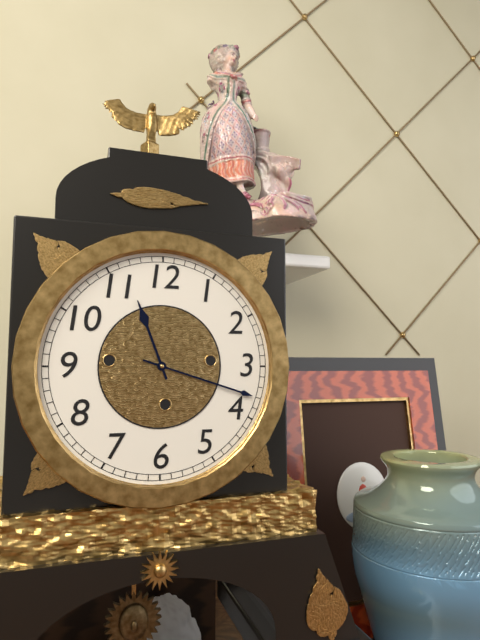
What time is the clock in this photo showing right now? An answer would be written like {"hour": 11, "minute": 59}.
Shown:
{"hour": 11, "minute": 18}
